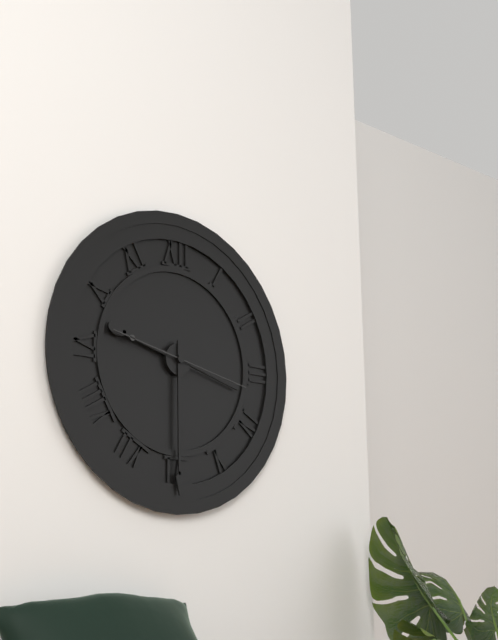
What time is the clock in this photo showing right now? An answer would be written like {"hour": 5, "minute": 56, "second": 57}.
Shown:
{"hour": 9, "minute": 30, "second": 17}
